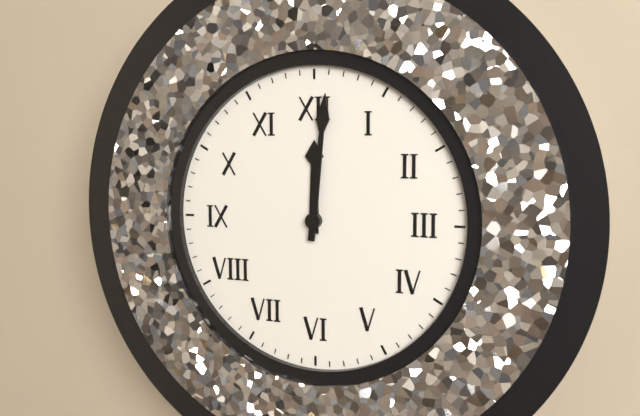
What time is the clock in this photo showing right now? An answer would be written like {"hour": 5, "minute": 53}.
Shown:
{"hour": 12, "minute": 1}
